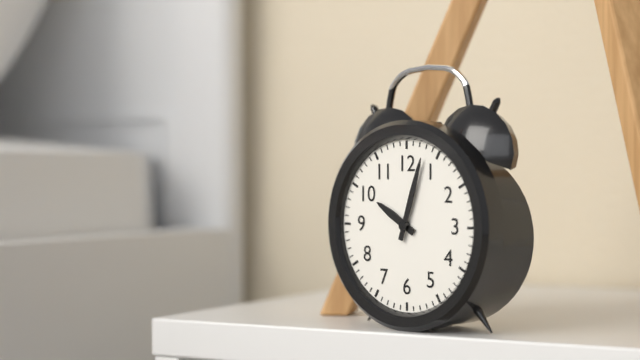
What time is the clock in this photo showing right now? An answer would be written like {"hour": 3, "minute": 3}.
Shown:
{"hour": 10, "minute": 3}
